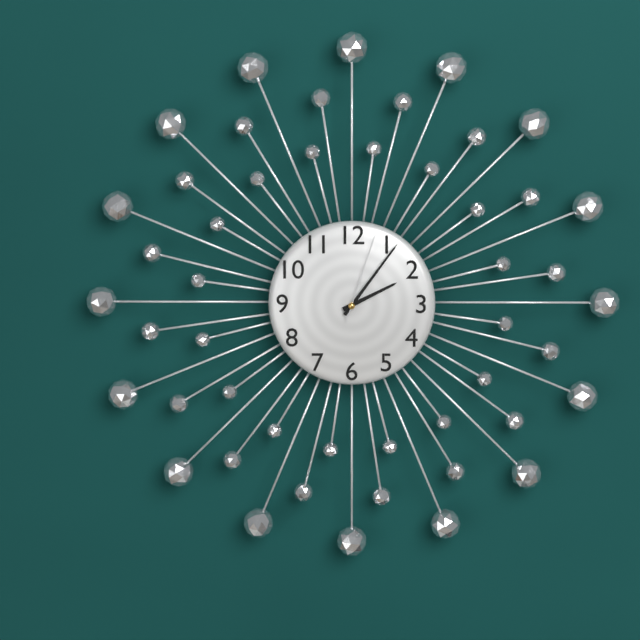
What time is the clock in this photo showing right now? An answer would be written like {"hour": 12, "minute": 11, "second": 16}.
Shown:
{"hour": 2, "minute": 6, "second": 3}
